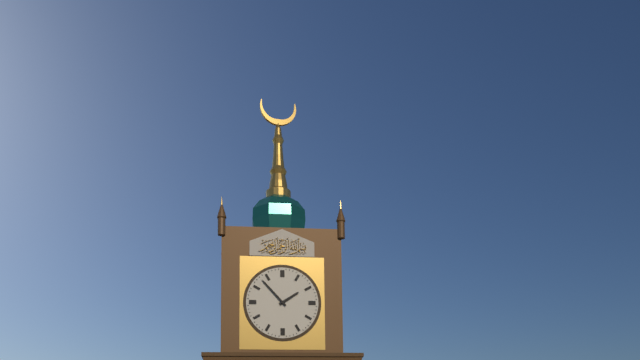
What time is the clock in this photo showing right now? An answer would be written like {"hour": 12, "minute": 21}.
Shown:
{"hour": 1, "minute": 53}
